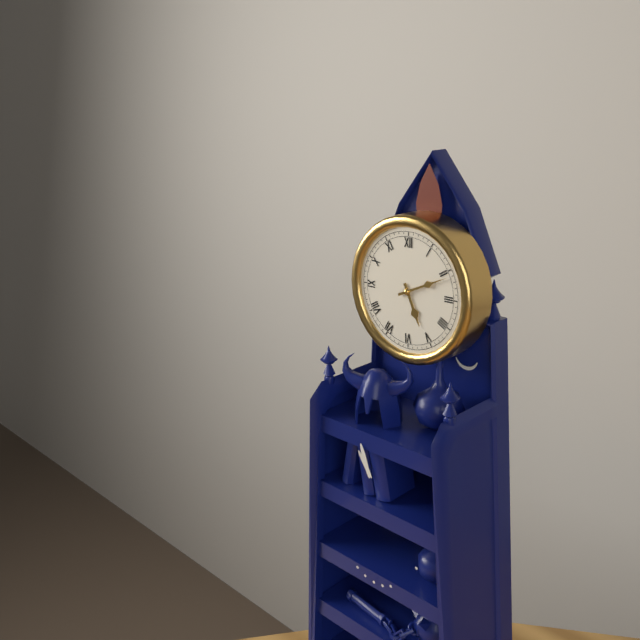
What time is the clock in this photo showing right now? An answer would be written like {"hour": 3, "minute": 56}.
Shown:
{"hour": 5, "minute": 11}
